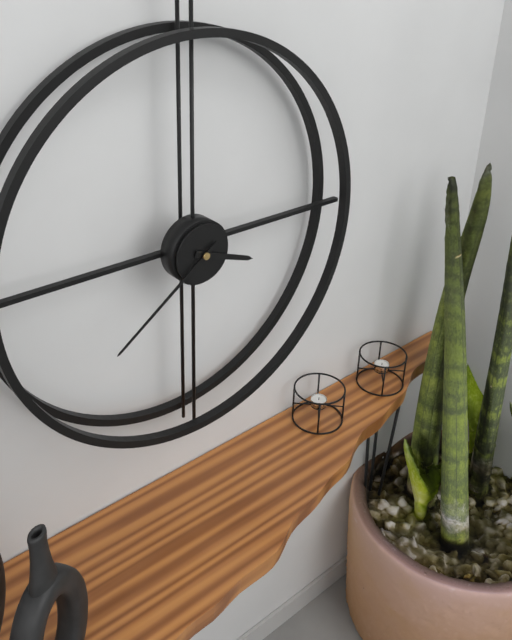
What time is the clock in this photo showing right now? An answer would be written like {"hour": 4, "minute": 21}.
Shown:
{"hour": 3, "minute": 39}
